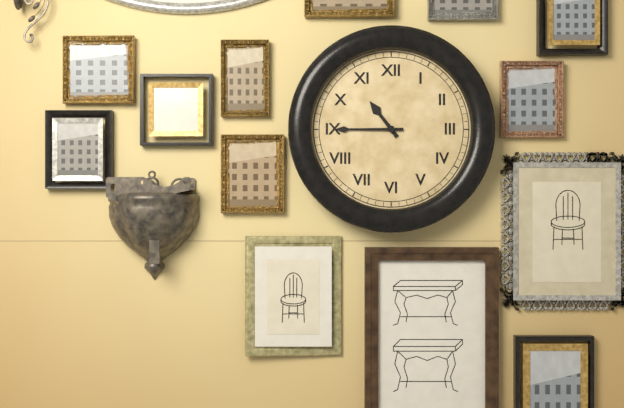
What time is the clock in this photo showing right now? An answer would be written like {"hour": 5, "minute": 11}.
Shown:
{"hour": 10, "minute": 45}
